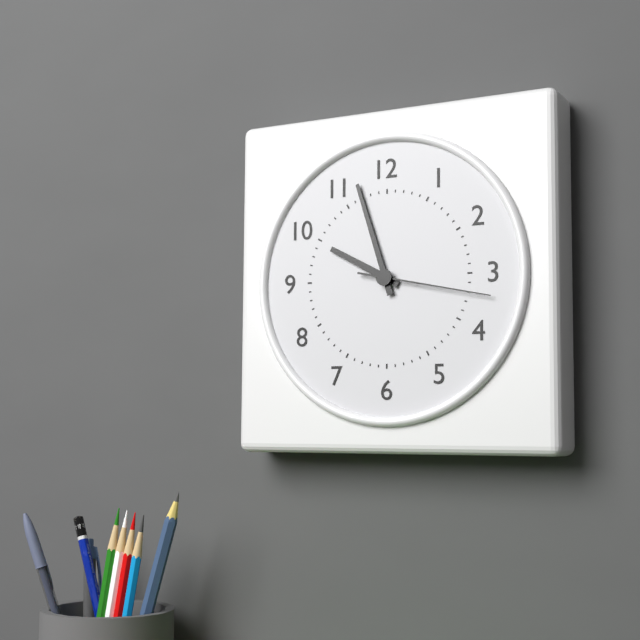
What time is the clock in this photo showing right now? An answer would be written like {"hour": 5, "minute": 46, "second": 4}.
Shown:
{"hour": 9, "minute": 57, "second": 17}
